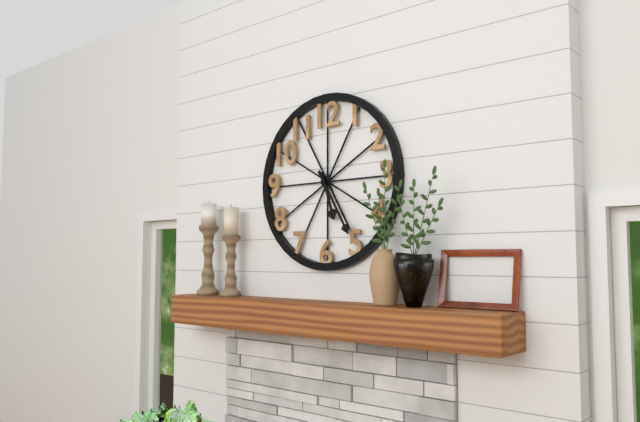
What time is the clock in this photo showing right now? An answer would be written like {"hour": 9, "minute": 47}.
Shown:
{"hour": 5, "minute": 25}
